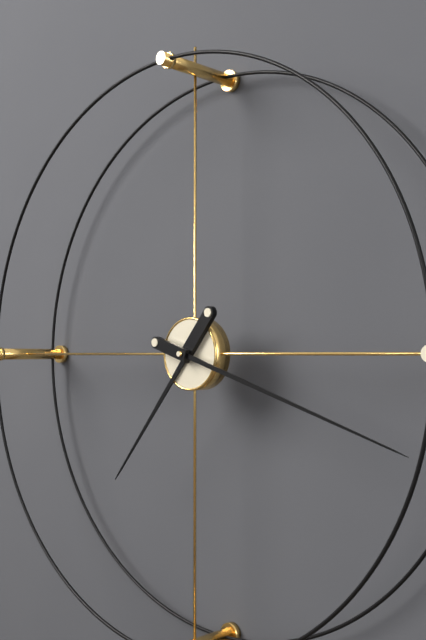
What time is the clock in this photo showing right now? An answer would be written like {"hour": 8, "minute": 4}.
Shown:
{"hour": 7, "minute": 18}
